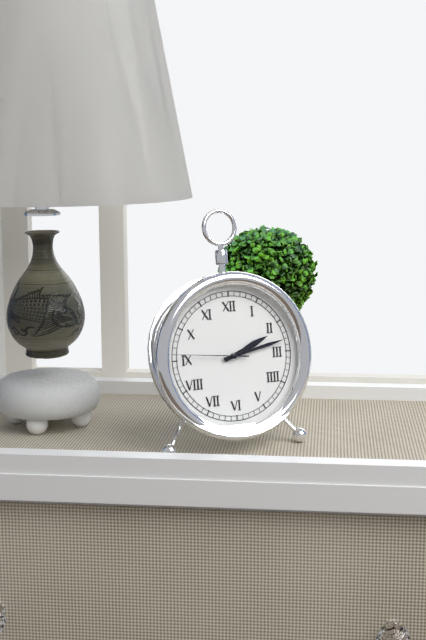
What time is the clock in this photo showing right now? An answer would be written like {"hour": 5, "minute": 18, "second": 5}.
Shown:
{"hour": 2, "minute": 13, "second": 46}
